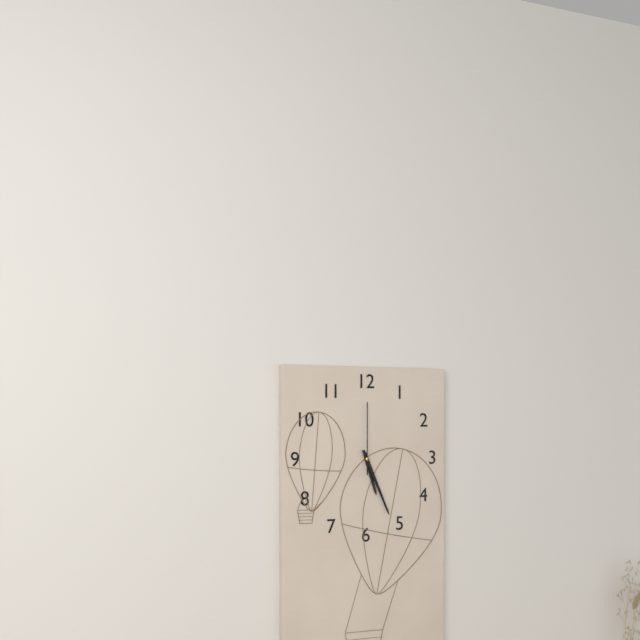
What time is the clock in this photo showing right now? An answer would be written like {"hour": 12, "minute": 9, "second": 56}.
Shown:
{"hour": 5, "minute": 26, "second": 0}
